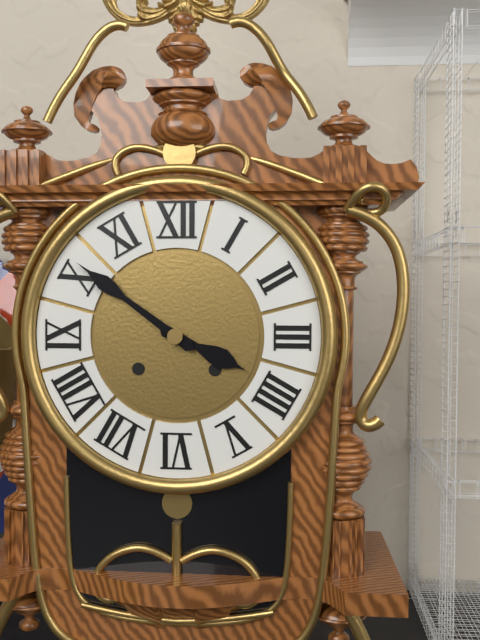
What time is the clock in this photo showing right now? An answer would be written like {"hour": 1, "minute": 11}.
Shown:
{"hour": 3, "minute": 51}
